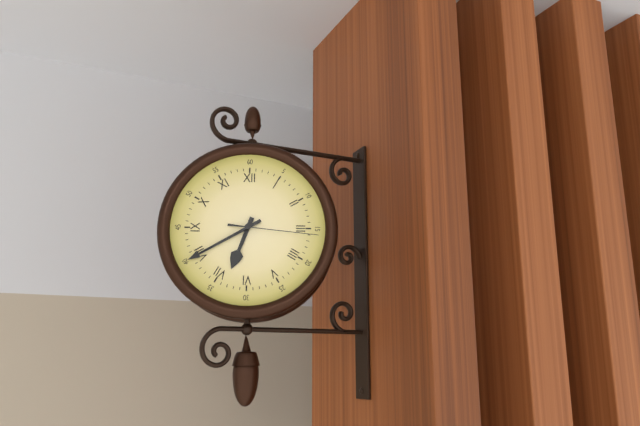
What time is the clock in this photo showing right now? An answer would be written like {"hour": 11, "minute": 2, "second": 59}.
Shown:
{"hour": 6, "minute": 40, "second": 16}
